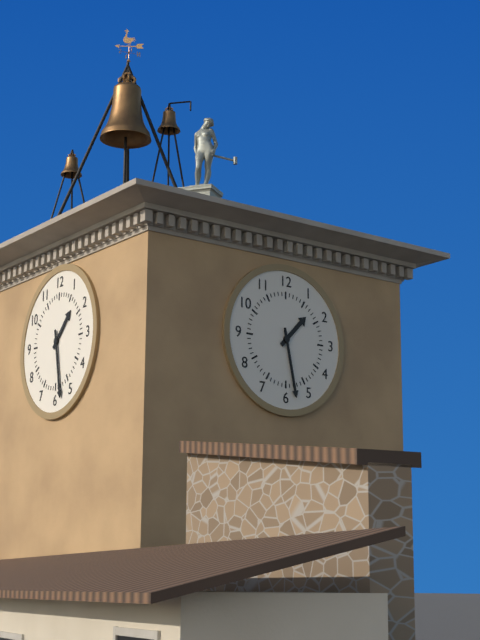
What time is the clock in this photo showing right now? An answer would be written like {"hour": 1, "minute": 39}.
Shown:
{"hour": 1, "minute": 28}
